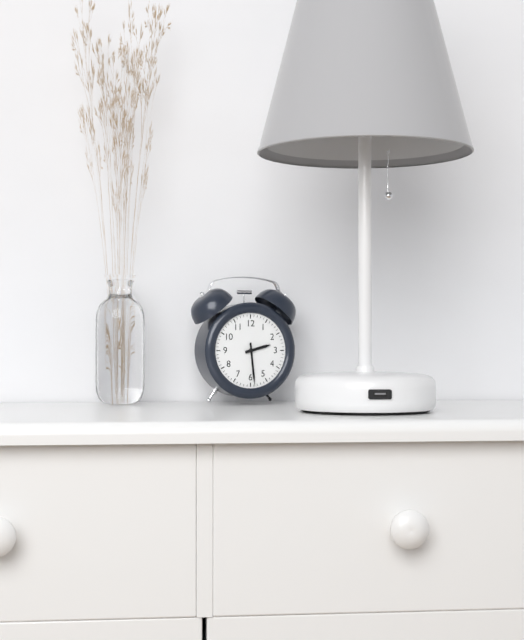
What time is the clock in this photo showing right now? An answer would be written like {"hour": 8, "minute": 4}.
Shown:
{"hour": 2, "minute": 29}
